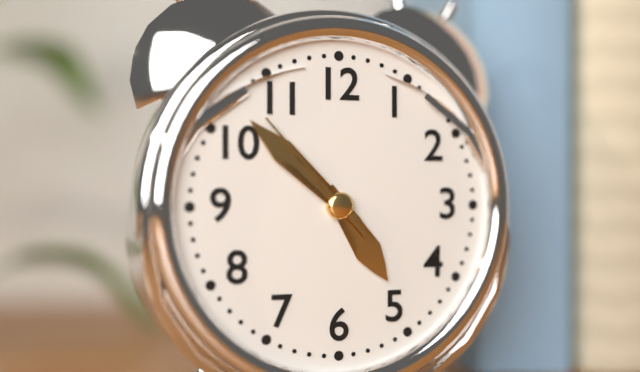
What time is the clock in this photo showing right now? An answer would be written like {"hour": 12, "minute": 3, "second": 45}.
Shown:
{"hour": 4, "minute": 52, "second": 53}
